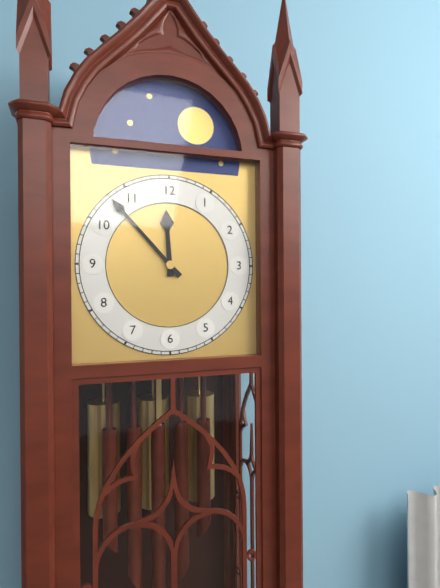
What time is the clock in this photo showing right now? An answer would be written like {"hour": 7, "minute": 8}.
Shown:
{"hour": 11, "minute": 53}
